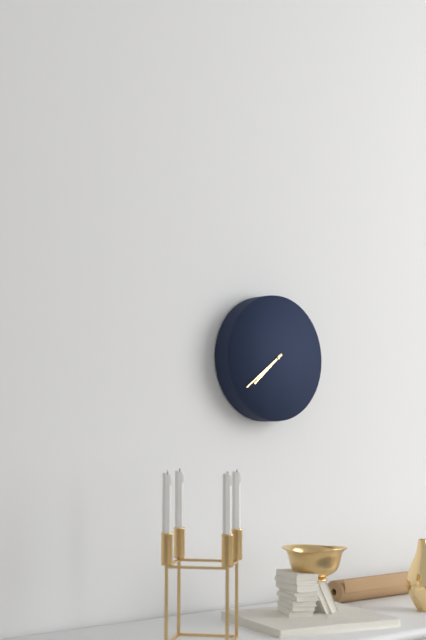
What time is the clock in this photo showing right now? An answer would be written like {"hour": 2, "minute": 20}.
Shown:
{"hour": 7, "minute": 39}
